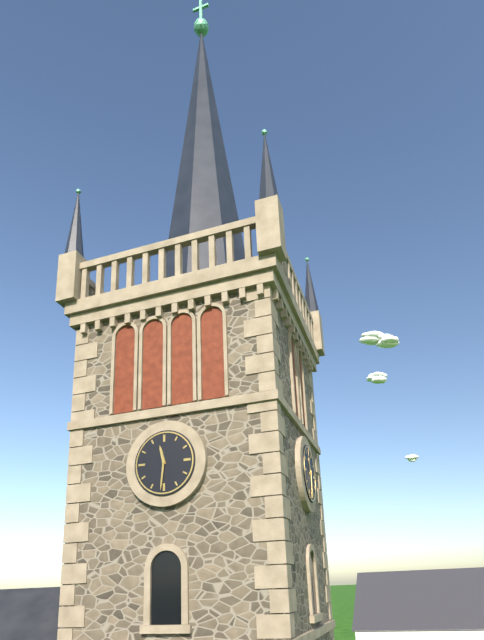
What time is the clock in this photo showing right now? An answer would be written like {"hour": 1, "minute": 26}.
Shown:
{"hour": 11, "minute": 31}
